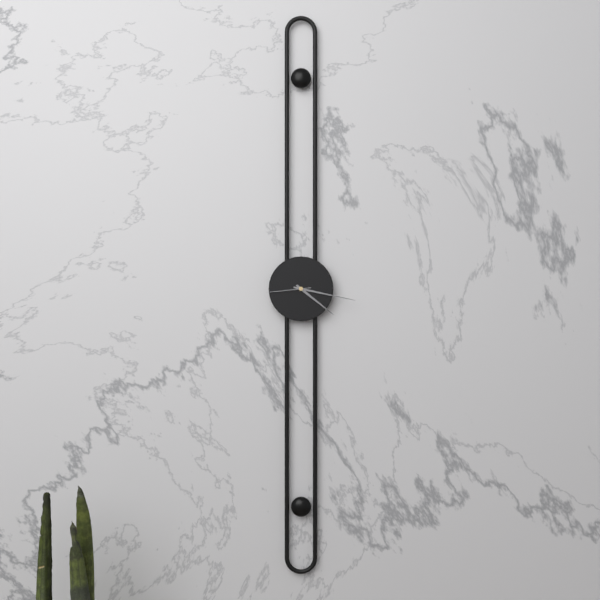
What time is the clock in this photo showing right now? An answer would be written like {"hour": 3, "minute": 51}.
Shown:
{"hour": 4, "minute": 17}
